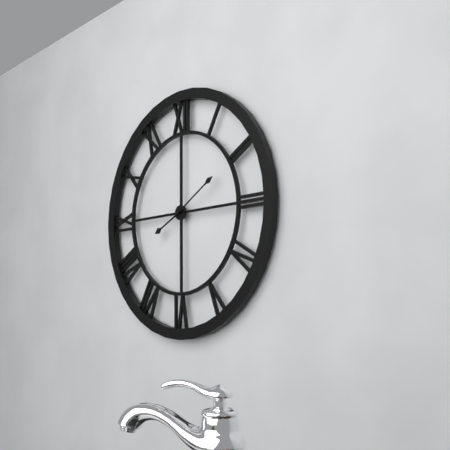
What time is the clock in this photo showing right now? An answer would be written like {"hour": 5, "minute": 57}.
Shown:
{"hour": 8, "minute": 10}
